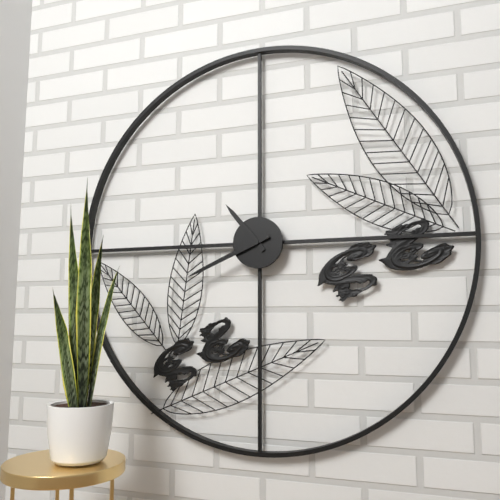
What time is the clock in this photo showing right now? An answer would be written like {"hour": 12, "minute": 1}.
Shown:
{"hour": 10, "minute": 41}
